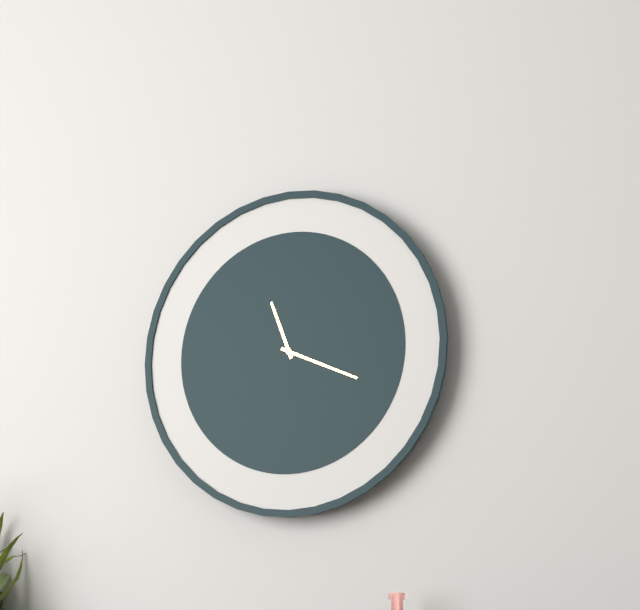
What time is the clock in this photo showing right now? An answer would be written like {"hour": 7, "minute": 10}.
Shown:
{"hour": 11, "minute": 19}
